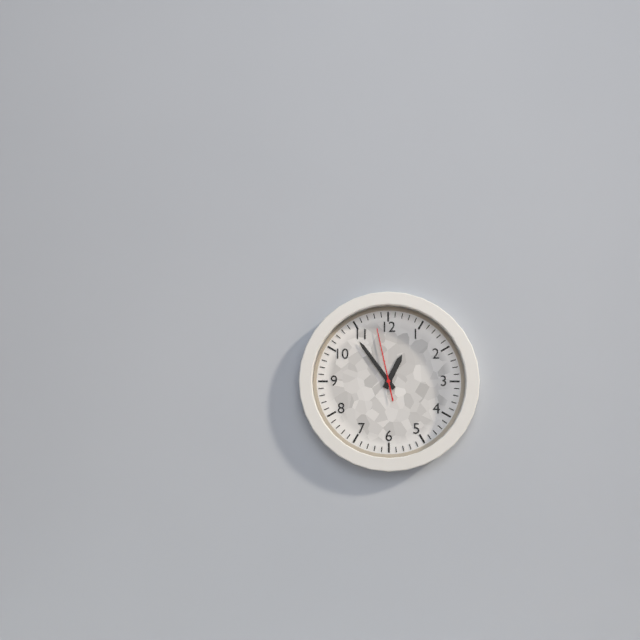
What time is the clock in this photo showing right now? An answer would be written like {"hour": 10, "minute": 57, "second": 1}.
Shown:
{"hour": 12, "minute": 54, "second": 58}
